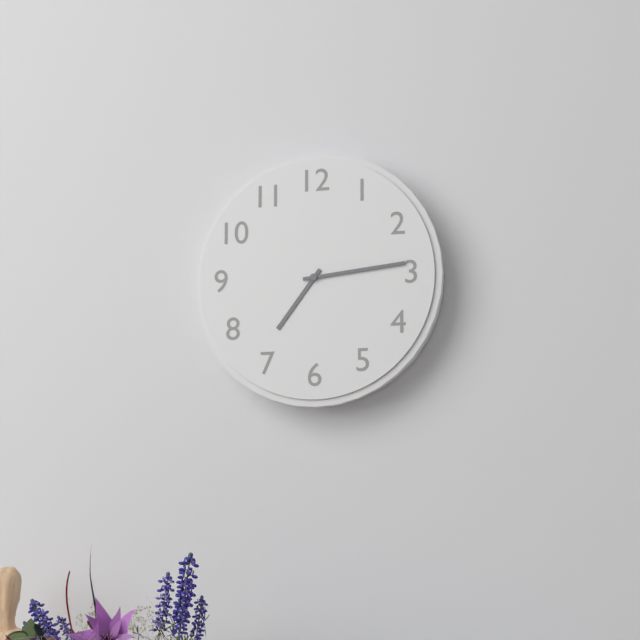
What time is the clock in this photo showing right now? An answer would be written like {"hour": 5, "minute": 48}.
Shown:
{"hour": 7, "minute": 14}
